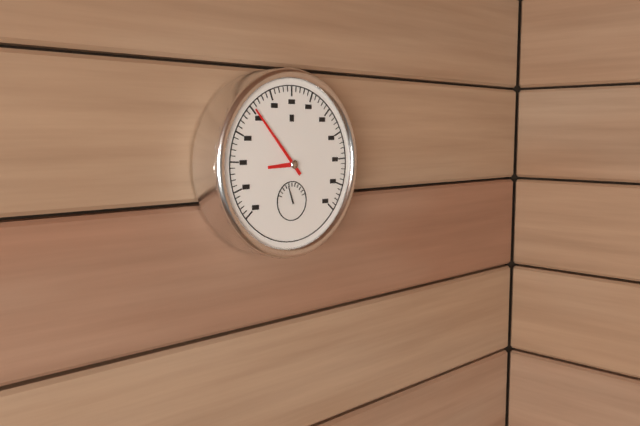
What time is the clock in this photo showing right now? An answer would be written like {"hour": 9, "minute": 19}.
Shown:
{"hour": 8, "minute": 53}
